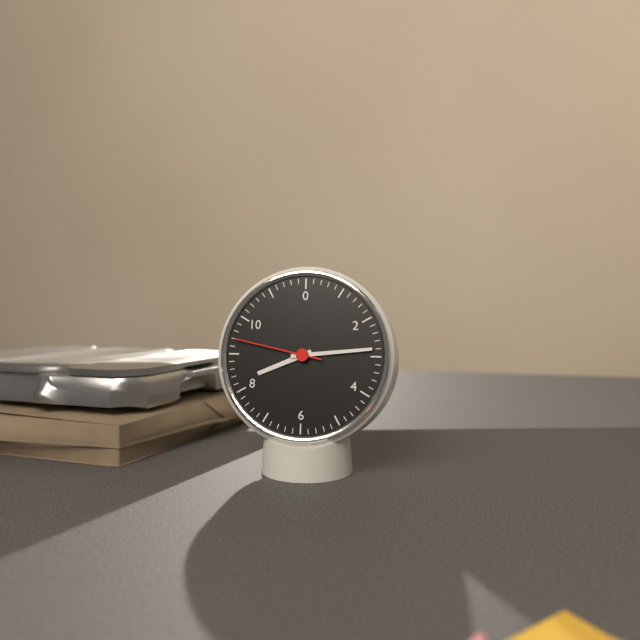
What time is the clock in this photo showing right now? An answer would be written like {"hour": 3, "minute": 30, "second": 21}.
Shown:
{"hour": 8, "minute": 14, "second": 47}
